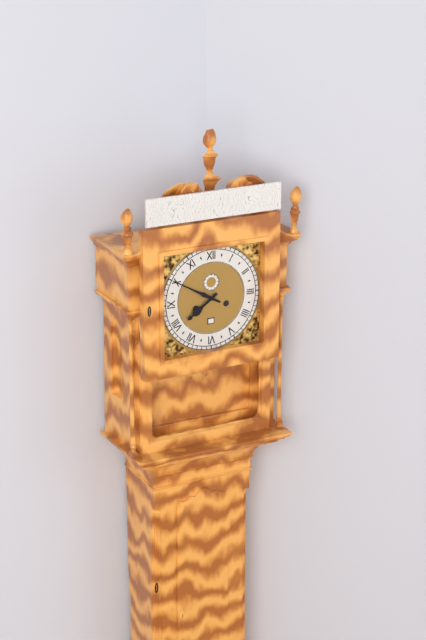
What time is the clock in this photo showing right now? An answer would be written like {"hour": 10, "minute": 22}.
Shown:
{"hour": 7, "minute": 50}
